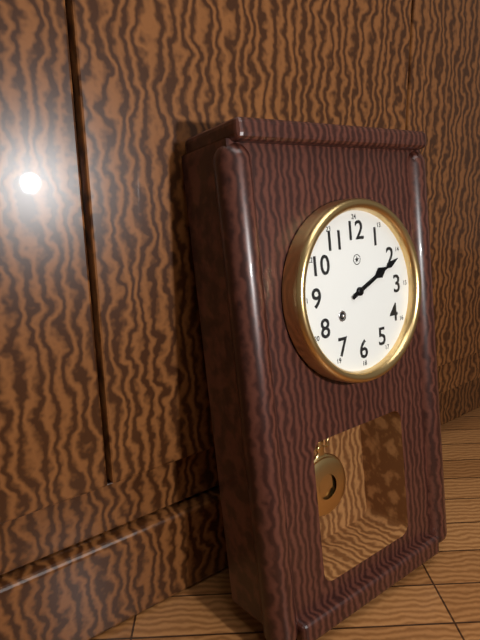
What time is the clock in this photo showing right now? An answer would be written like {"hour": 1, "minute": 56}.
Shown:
{"hour": 2, "minute": 11}
